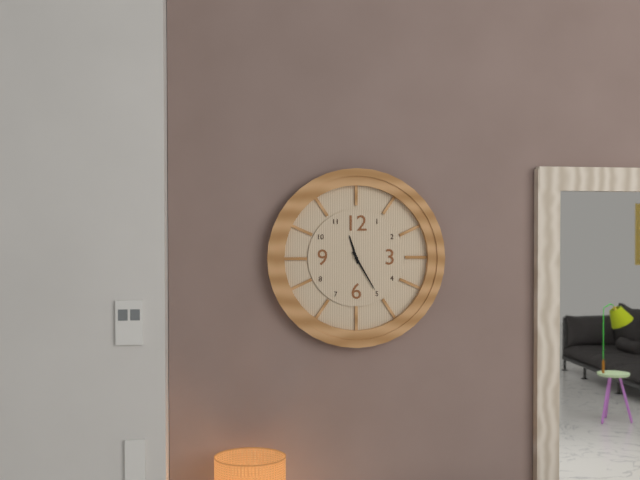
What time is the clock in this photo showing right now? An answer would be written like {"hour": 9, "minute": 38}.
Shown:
{"hour": 11, "minute": 25}
